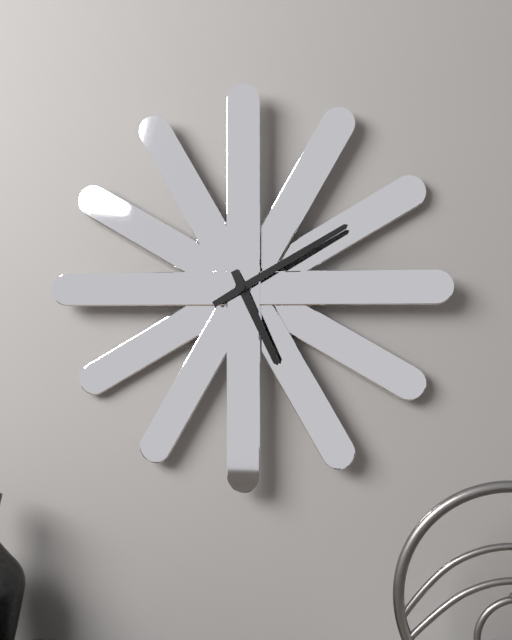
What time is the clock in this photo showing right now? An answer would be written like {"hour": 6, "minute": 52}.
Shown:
{"hour": 5, "minute": 10}
